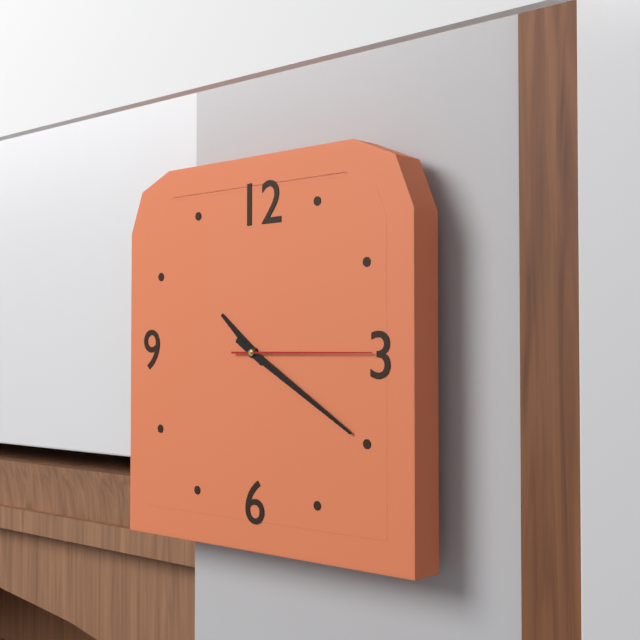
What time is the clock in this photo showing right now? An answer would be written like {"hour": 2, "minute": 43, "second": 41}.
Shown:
{"hour": 10, "minute": 20, "second": 15}
